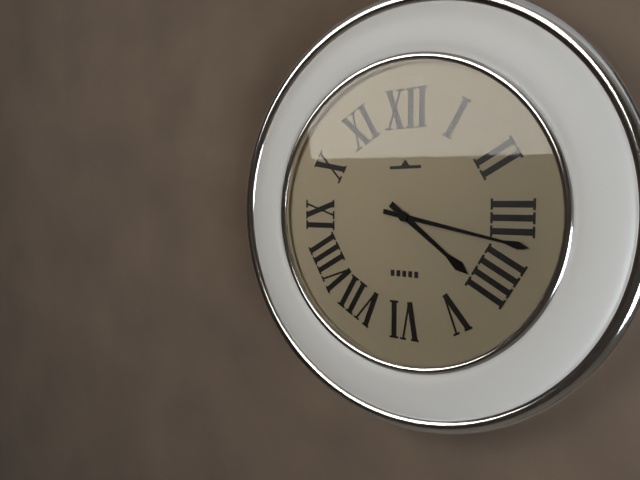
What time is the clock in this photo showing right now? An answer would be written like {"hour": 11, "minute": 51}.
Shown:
{"hour": 4, "minute": 17}
